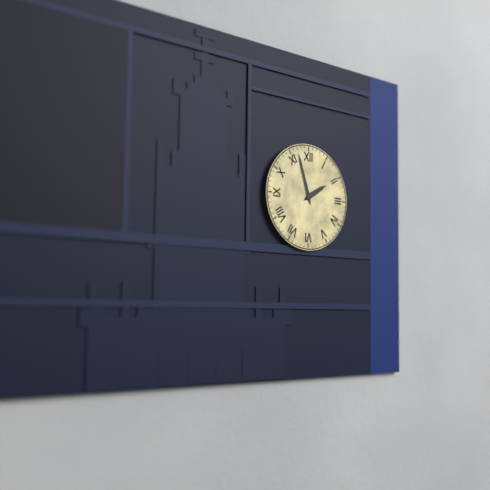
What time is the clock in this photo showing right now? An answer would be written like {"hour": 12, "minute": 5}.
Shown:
{"hour": 1, "minute": 57}
